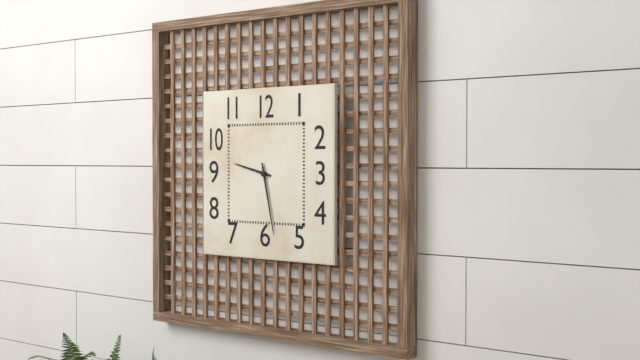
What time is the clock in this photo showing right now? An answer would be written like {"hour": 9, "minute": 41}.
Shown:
{"hour": 9, "minute": 28}
